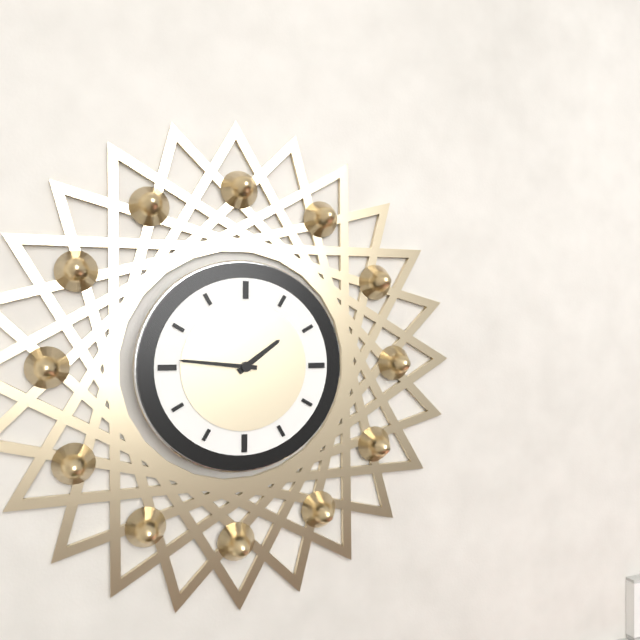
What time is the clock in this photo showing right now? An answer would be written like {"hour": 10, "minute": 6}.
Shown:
{"hour": 1, "minute": 46}
